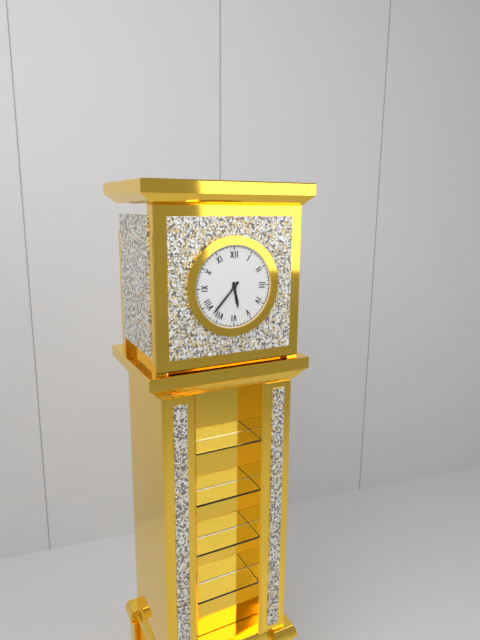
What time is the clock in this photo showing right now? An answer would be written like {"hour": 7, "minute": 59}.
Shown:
{"hour": 5, "minute": 37}
